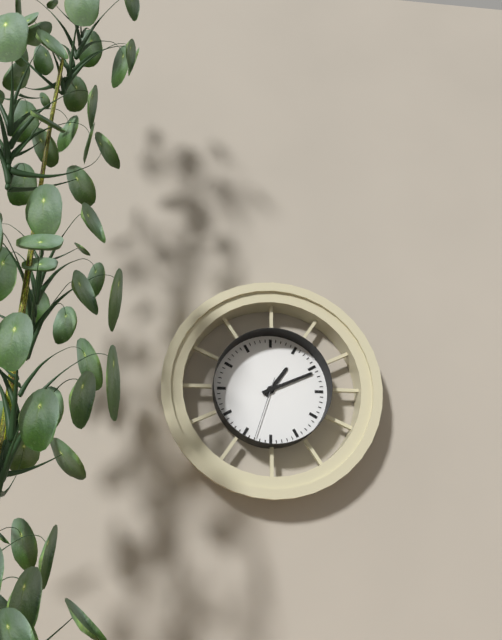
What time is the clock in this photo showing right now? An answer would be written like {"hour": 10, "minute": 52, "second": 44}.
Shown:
{"hour": 1, "minute": 11, "second": 33}
